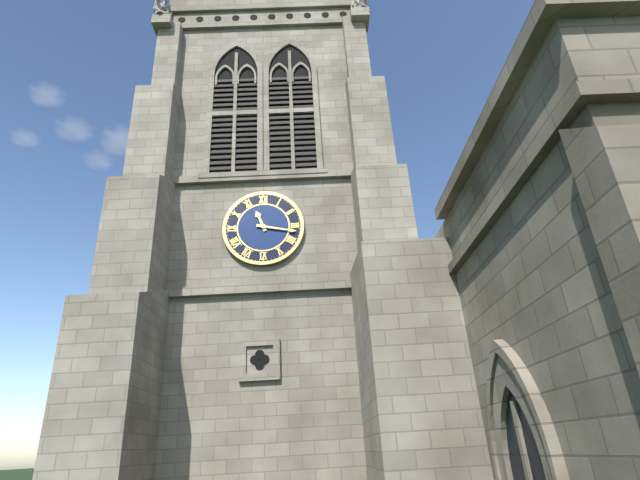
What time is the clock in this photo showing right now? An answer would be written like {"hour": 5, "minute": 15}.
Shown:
{"hour": 11, "minute": 17}
